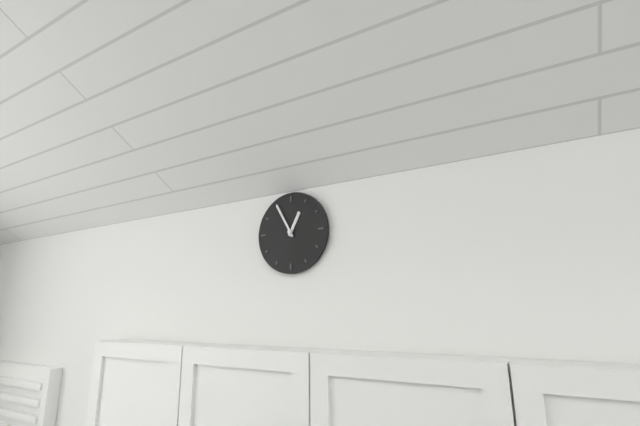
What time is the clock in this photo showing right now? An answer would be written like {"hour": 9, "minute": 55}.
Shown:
{"hour": 12, "minute": 55}
